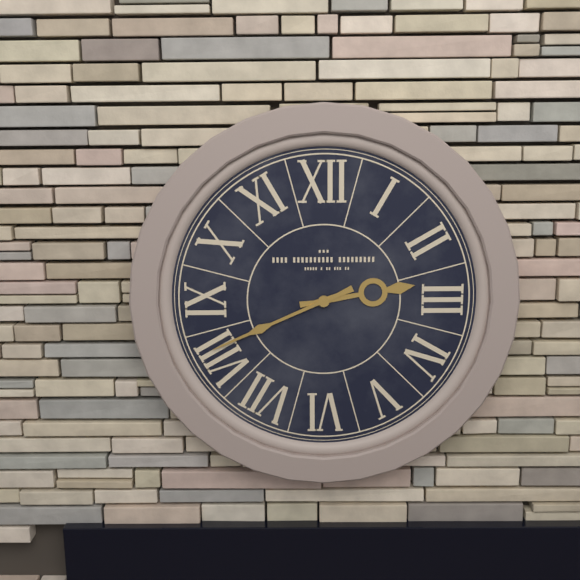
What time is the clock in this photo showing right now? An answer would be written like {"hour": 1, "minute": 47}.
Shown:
{"hour": 2, "minute": 41}
